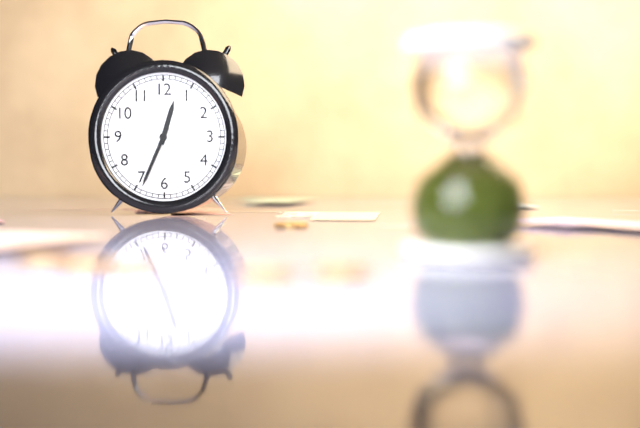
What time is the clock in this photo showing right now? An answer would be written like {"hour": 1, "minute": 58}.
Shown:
{"hour": 12, "minute": 34}
